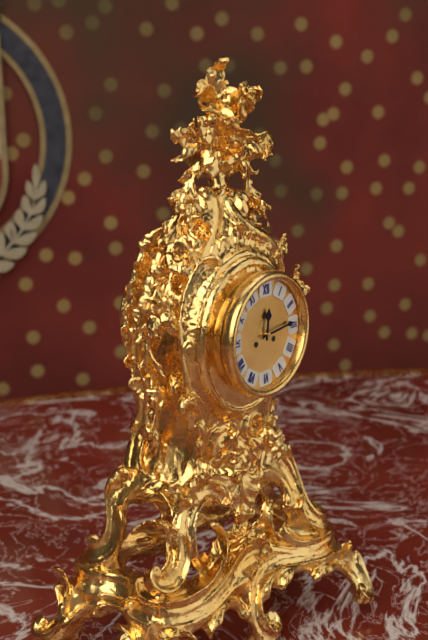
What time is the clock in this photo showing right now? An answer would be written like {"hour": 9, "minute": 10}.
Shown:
{"hour": 12, "minute": 14}
